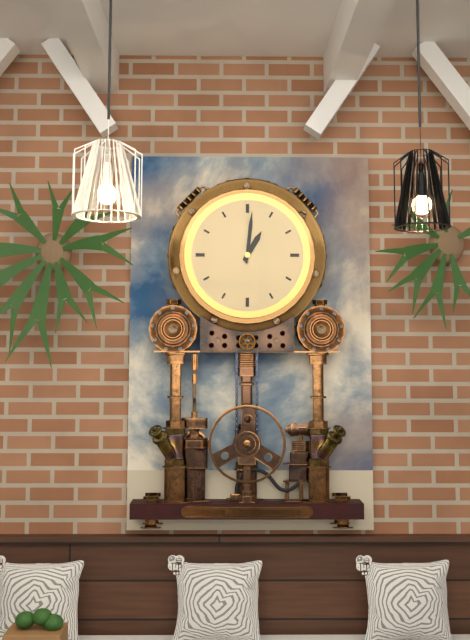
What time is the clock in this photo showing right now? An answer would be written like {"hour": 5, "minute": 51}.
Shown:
{"hour": 1, "minute": 1}
